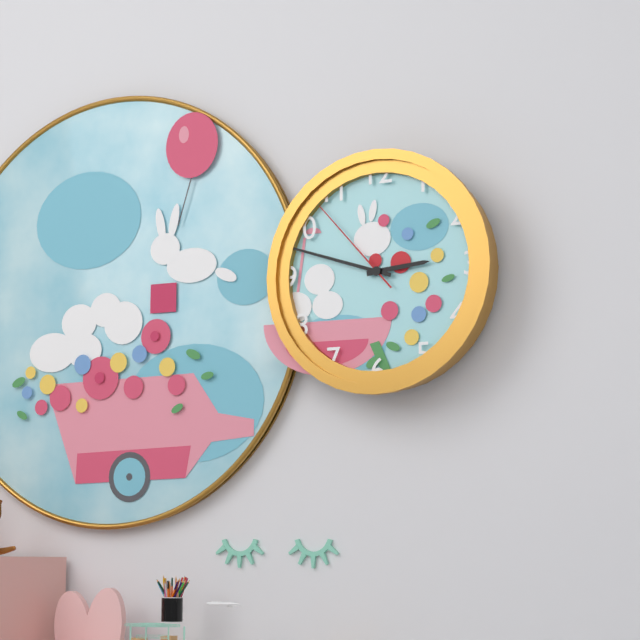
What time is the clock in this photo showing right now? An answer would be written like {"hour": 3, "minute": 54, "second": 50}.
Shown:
{"hour": 2, "minute": 48, "second": 53}
